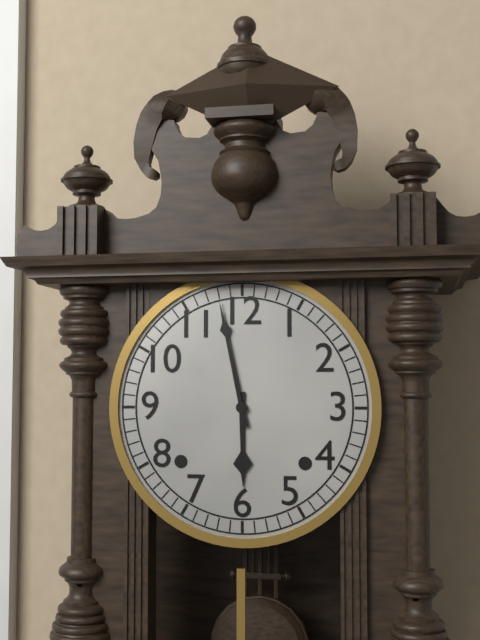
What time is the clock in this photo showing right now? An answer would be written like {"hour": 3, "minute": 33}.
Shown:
{"hour": 5, "minute": 58}
